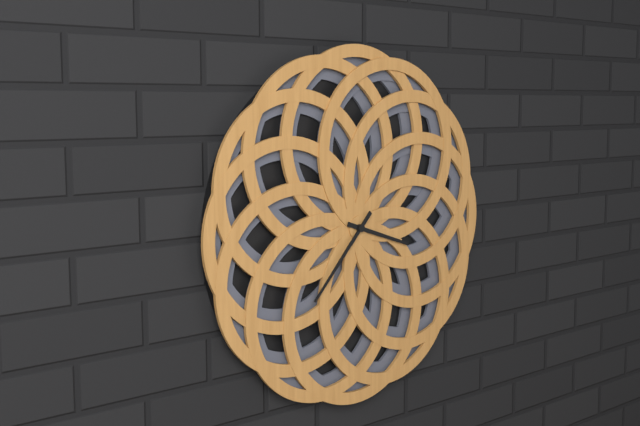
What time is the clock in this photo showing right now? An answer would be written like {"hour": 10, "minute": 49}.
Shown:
{"hour": 3, "minute": 37}
